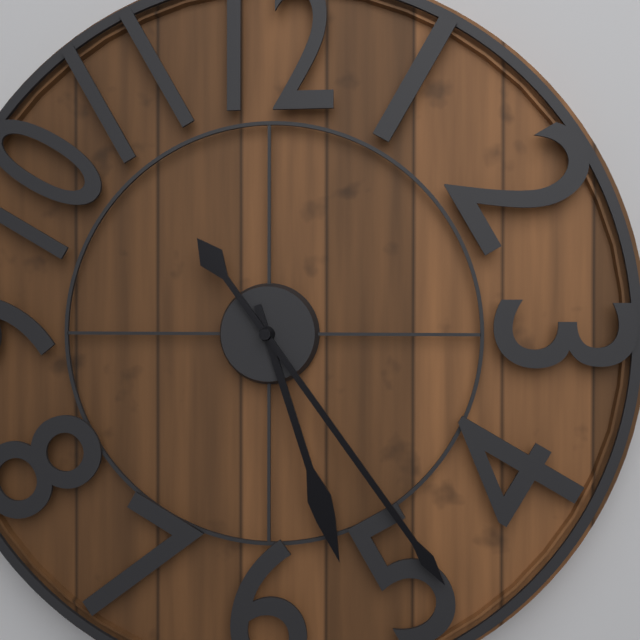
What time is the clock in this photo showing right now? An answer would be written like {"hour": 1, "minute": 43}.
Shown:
{"hour": 5, "minute": 24}
